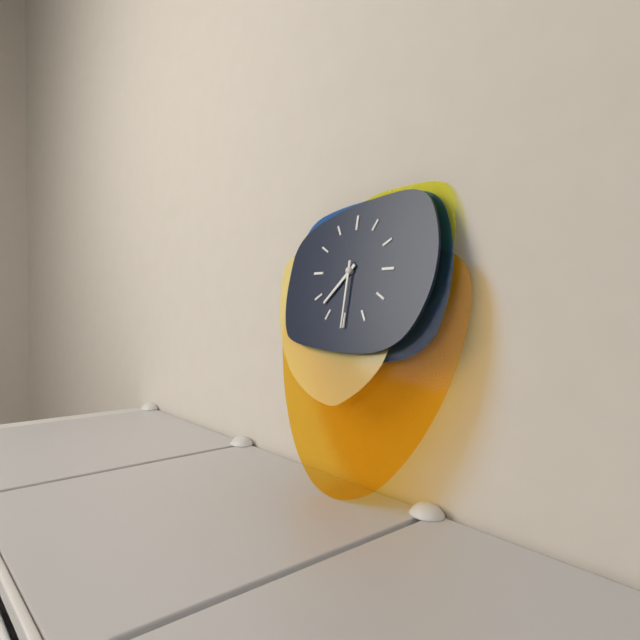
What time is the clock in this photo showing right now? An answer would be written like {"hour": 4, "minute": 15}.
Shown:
{"hour": 7, "minute": 30}
